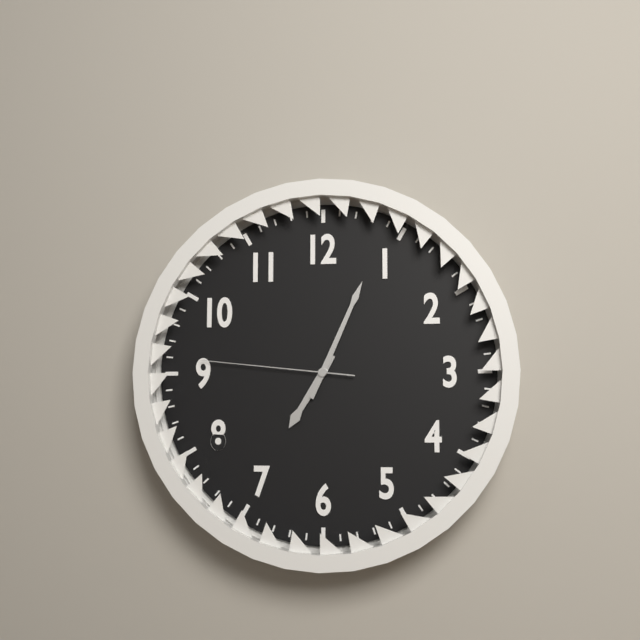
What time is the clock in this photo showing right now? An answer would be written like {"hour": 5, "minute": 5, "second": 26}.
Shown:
{"hour": 7, "minute": 4, "second": 46}
